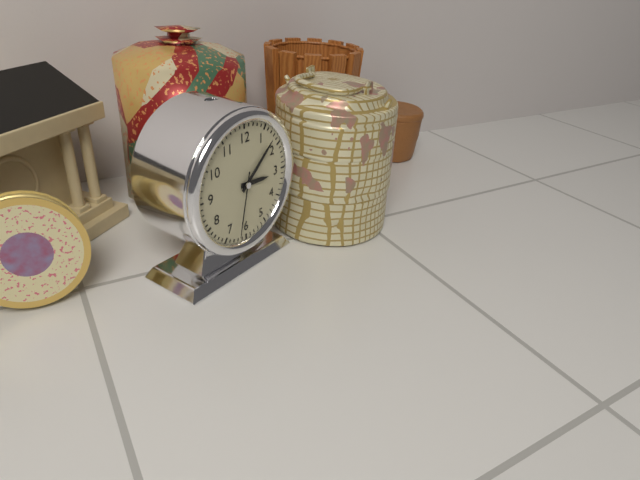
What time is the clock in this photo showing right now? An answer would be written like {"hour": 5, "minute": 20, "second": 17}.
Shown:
{"hour": 3, "minute": 8, "second": 32}
